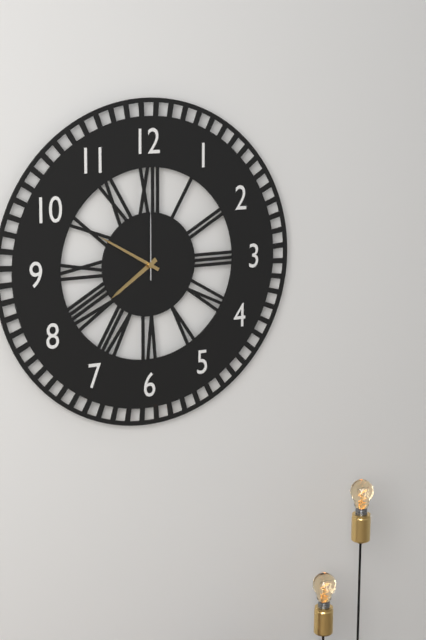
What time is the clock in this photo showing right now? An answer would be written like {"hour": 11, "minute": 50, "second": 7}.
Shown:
{"hour": 7, "minute": 50, "second": 0}
